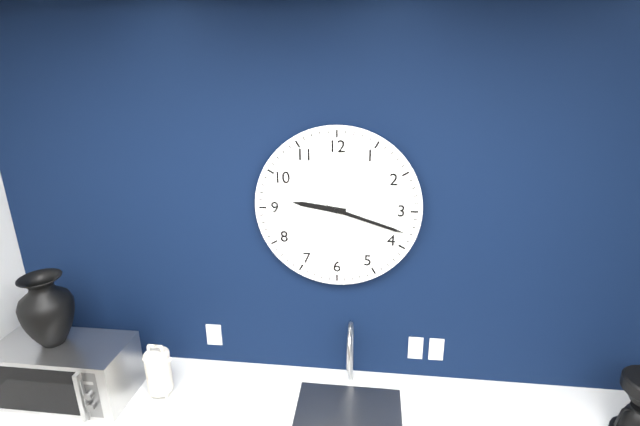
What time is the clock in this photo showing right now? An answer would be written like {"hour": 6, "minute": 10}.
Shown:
{"hour": 9, "minute": 18}
